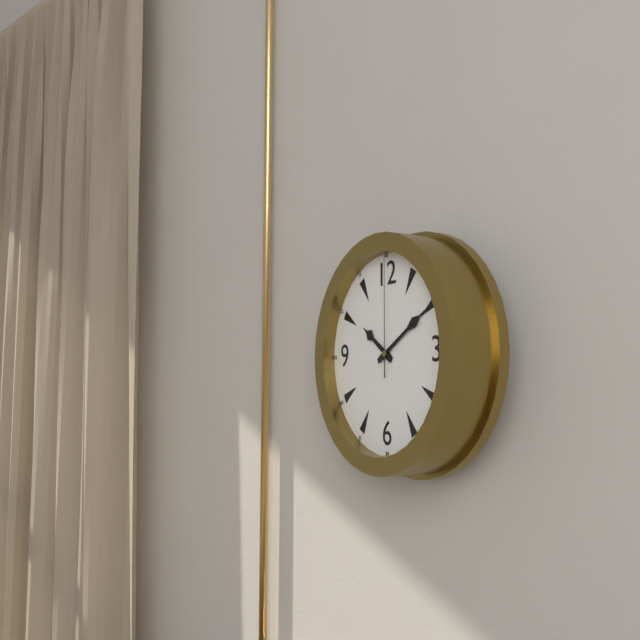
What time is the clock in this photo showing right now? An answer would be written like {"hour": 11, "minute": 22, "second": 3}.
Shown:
{"hour": 10, "minute": 10, "second": 0}
